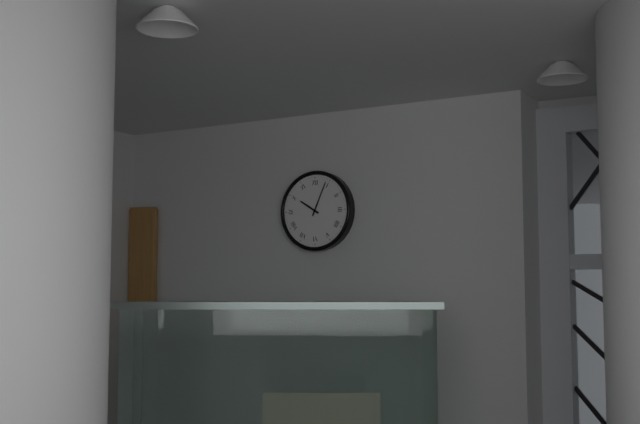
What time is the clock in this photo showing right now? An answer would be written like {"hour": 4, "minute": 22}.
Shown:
{"hour": 10, "minute": 4}
